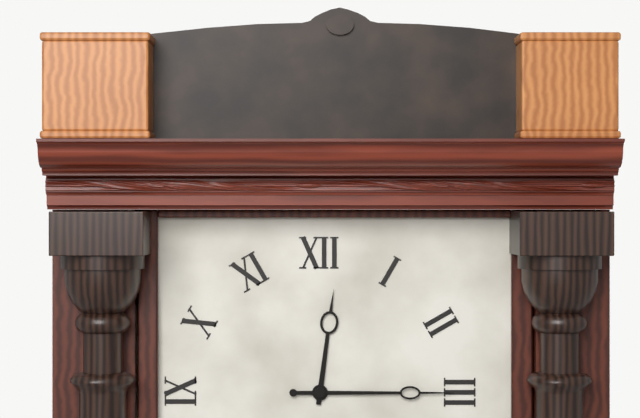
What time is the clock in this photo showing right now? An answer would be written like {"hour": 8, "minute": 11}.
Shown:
{"hour": 12, "minute": 15}
